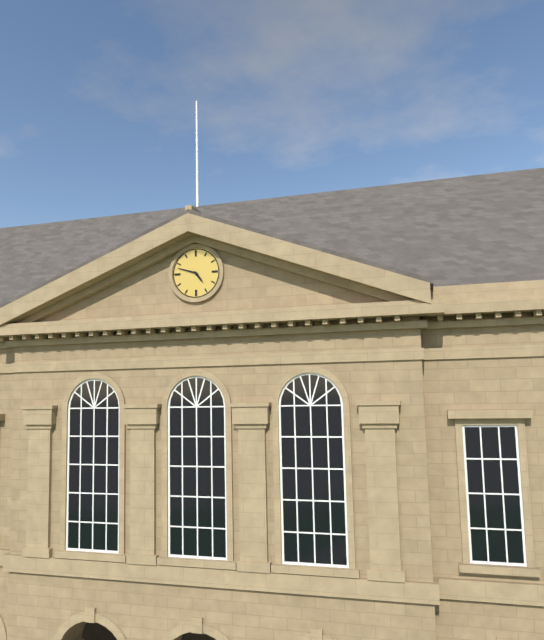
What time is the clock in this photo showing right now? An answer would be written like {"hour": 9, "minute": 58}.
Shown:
{"hour": 4, "minute": 48}
